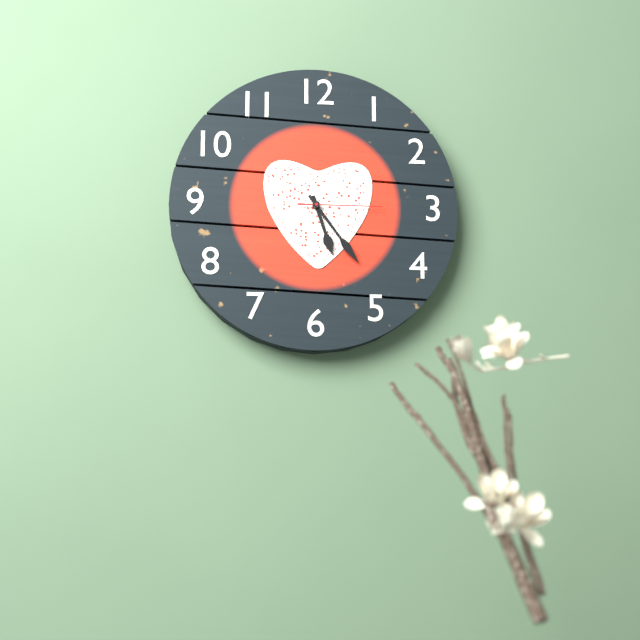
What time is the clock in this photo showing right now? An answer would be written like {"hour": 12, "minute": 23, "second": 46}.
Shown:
{"hour": 5, "minute": 24, "second": 15}
